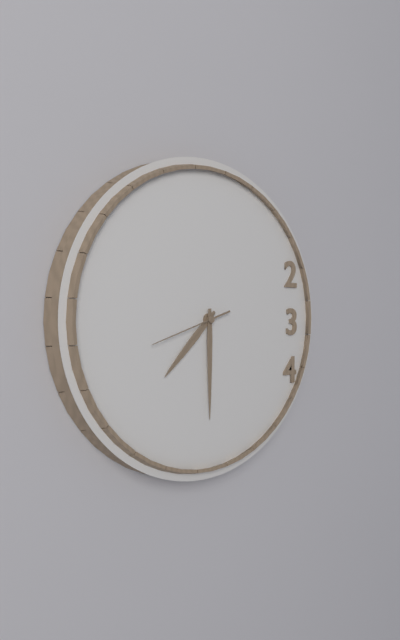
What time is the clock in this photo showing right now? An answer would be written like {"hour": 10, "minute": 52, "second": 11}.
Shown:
{"hour": 7, "minute": 30, "second": 42}
